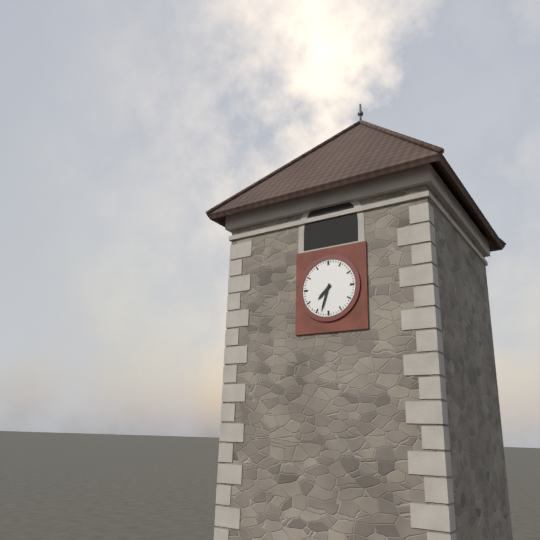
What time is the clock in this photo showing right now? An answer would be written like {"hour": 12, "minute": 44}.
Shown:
{"hour": 7, "minute": 33}
